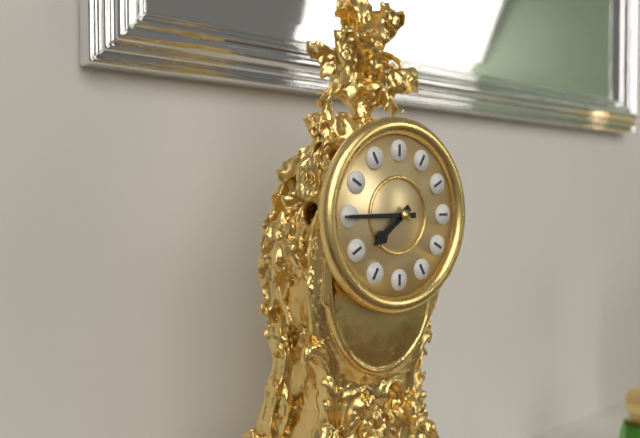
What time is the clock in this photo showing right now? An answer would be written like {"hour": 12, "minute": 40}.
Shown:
{"hour": 7, "minute": 45}
